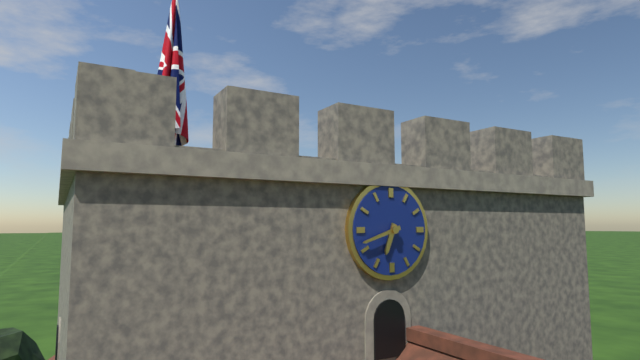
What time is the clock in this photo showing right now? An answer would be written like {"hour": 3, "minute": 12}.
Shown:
{"hour": 6, "minute": 42}
